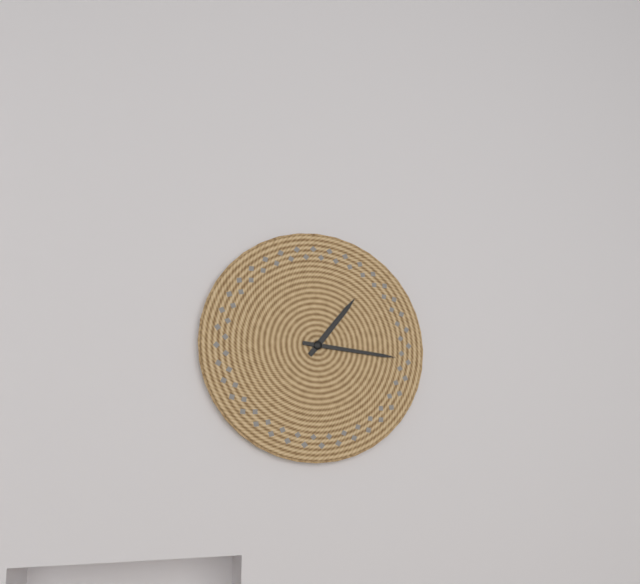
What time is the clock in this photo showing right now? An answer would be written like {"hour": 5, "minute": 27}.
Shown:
{"hour": 1, "minute": 16}
